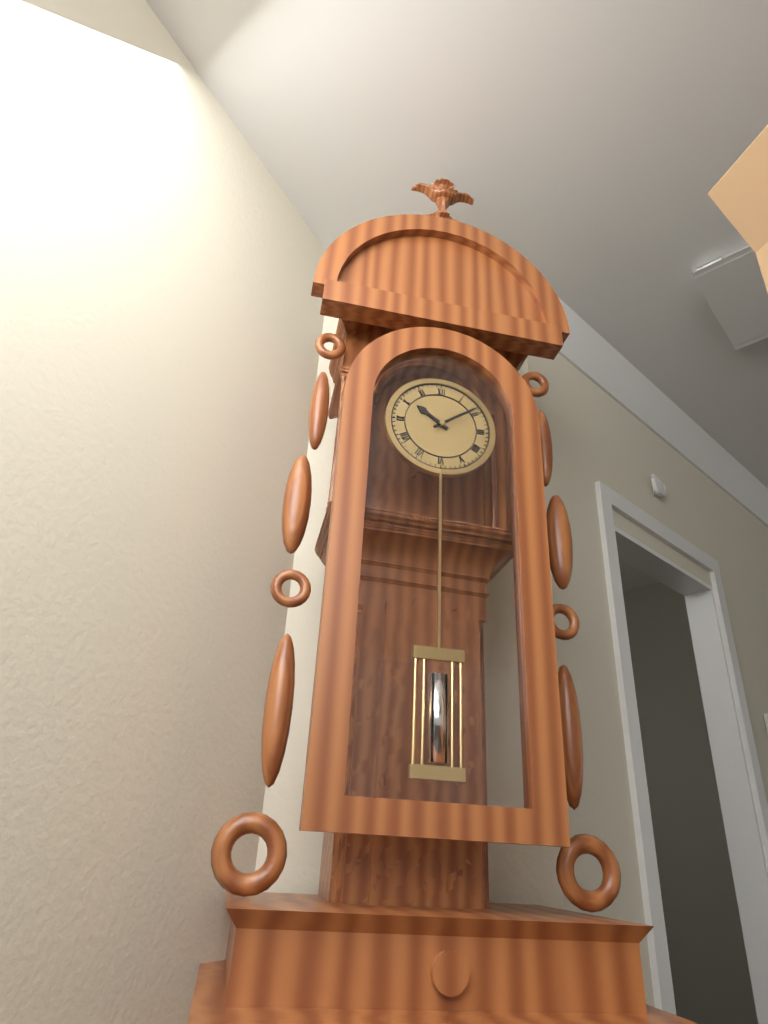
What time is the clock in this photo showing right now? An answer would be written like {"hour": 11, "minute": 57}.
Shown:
{"hour": 10, "minute": 9}
